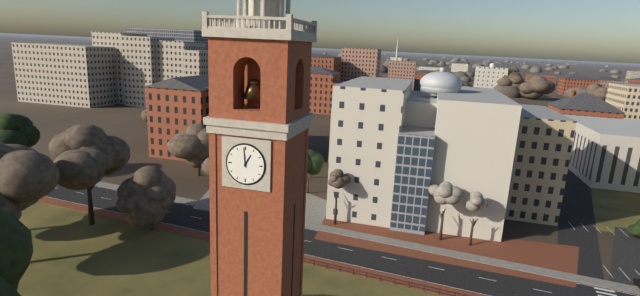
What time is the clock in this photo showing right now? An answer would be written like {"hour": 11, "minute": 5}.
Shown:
{"hour": 12, "minute": 59}
